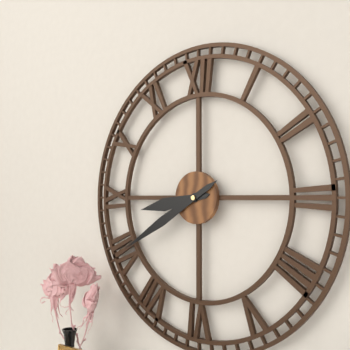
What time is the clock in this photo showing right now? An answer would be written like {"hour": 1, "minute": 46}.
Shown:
{"hour": 8, "minute": 40}
